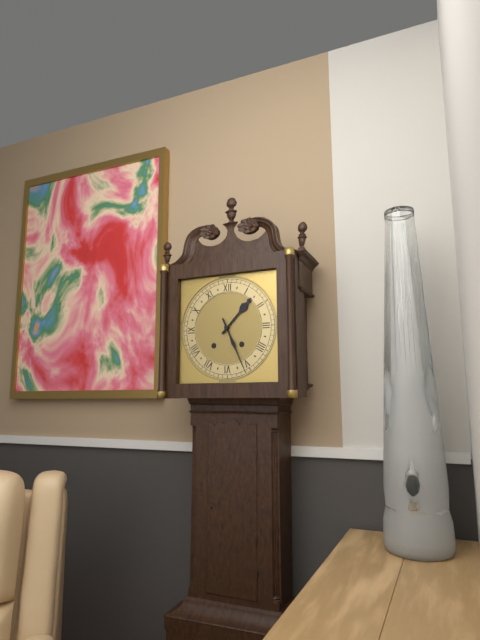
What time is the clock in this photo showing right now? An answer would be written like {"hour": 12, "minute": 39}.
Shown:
{"hour": 1, "minute": 26}
